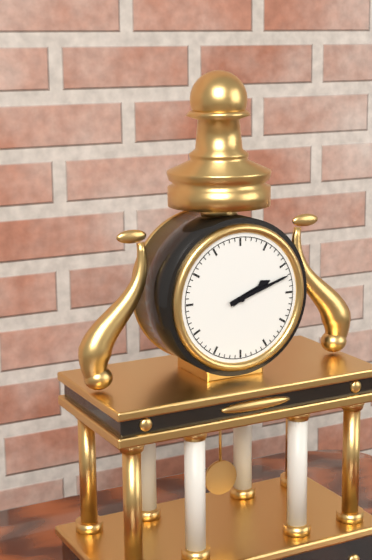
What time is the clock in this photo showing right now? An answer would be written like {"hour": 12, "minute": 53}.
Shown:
{"hour": 2, "minute": 12}
